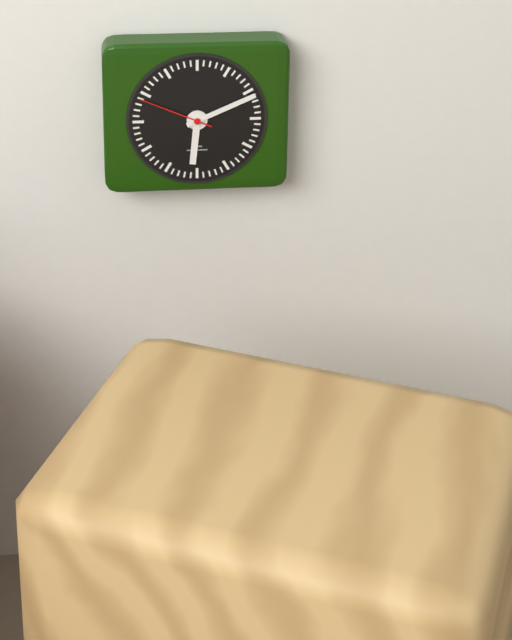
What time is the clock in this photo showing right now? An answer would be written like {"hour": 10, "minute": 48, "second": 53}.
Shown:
{"hour": 6, "minute": 11, "second": 49}
